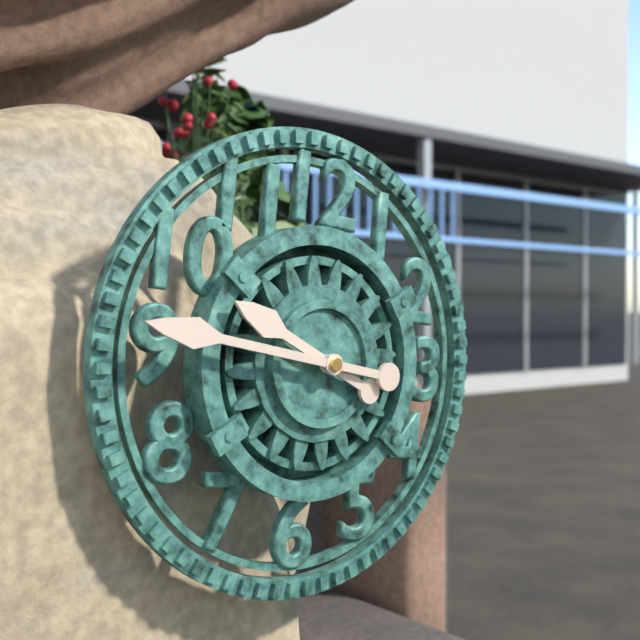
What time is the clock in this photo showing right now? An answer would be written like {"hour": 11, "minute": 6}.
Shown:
{"hour": 9, "minute": 46}
